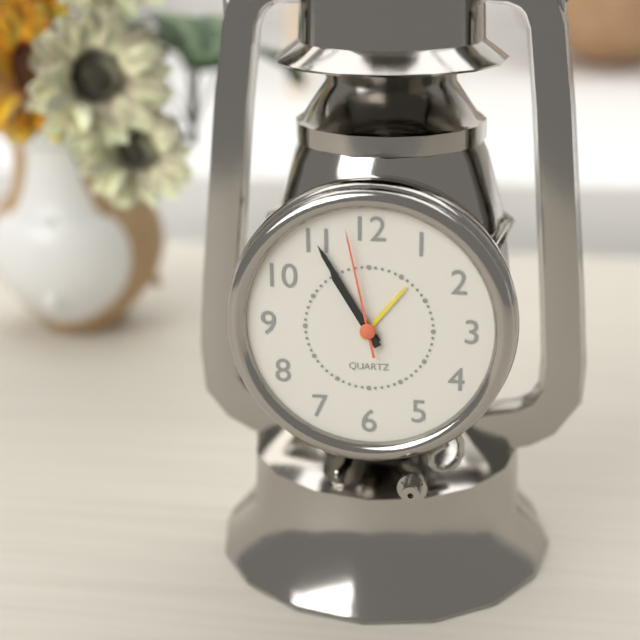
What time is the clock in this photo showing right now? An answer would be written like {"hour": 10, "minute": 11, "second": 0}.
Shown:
{"hour": 10, "minute": 55, "second": 58}
